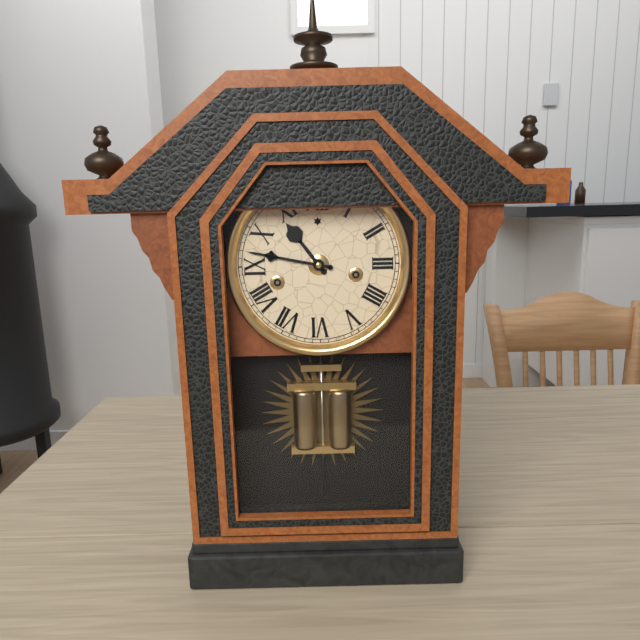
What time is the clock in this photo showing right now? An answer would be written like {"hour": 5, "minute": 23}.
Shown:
{"hour": 10, "minute": 47}
